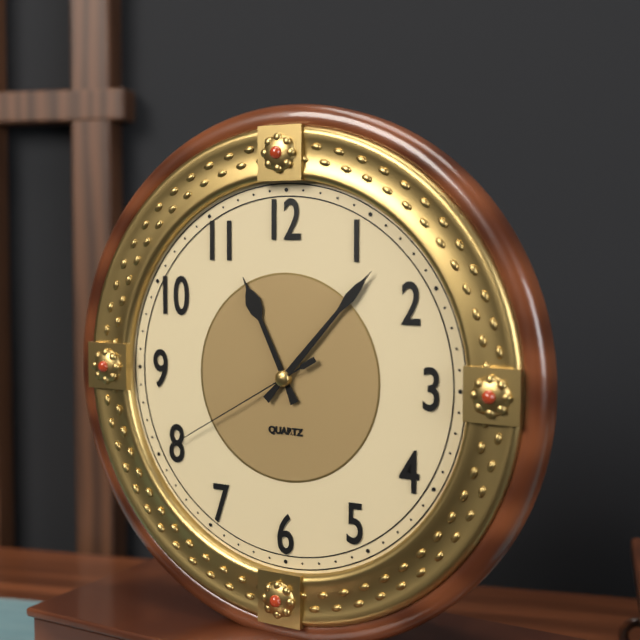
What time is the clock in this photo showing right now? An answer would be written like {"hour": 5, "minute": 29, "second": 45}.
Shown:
{"hour": 11, "minute": 7, "second": 40}
